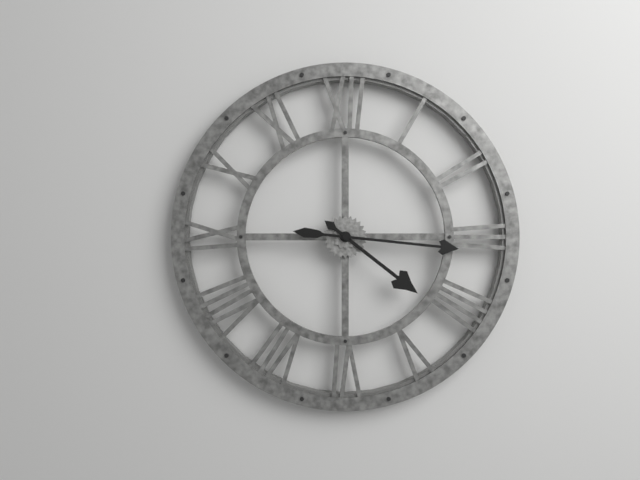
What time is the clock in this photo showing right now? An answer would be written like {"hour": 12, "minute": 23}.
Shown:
{"hour": 4, "minute": 16}
